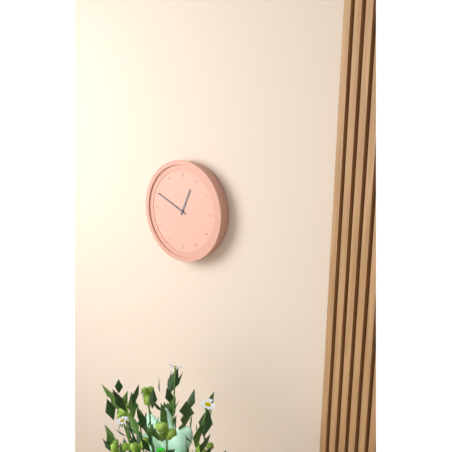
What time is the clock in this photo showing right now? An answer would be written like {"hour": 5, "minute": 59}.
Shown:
{"hour": 12, "minute": 49}
